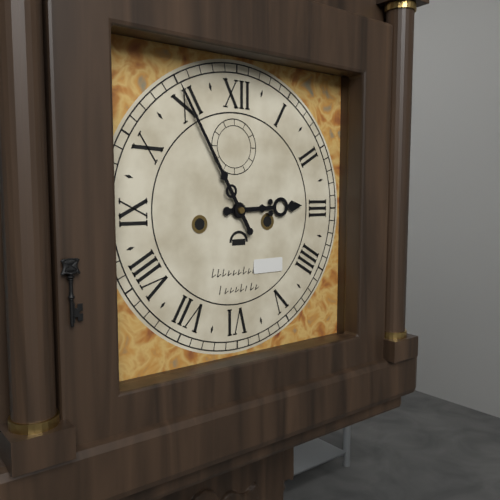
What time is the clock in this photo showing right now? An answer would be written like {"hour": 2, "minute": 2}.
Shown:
{"hour": 2, "minute": 55}
